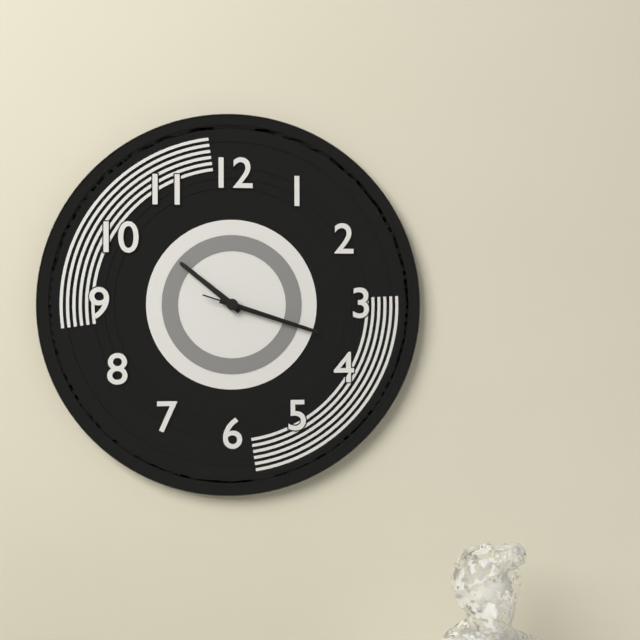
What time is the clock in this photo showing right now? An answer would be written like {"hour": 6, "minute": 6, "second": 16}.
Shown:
{"hour": 10, "minute": 18, "second": 18}
